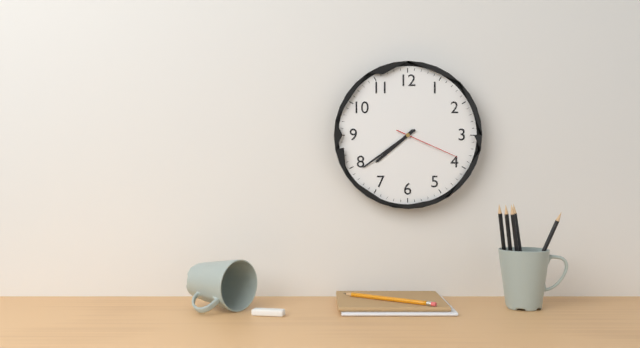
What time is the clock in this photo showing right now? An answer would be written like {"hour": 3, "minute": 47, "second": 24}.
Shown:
{"hour": 7, "minute": 39, "second": 19}
